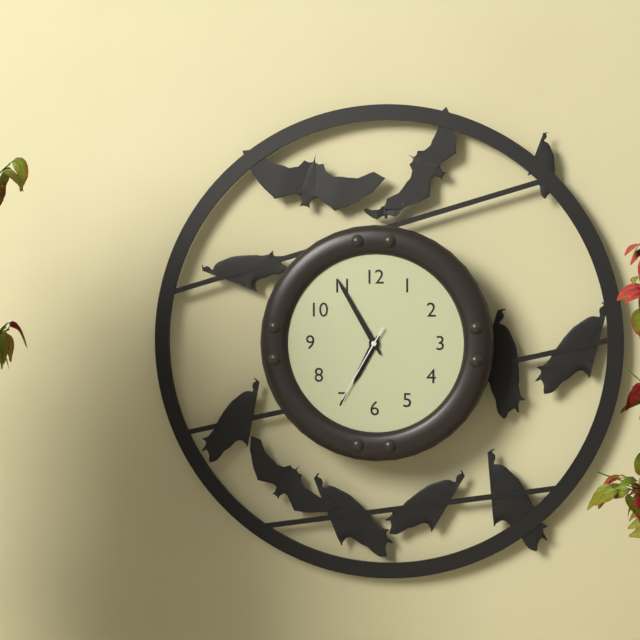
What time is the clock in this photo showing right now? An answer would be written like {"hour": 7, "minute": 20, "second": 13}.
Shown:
{"hour": 6, "minute": 55, "second": 35}
